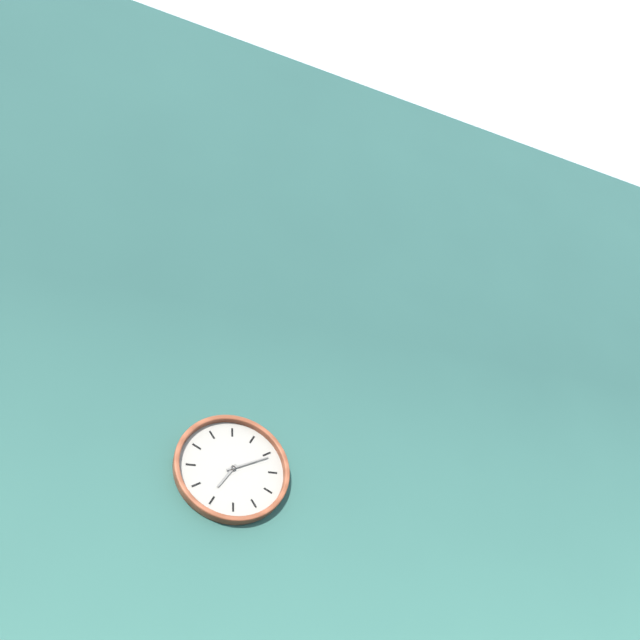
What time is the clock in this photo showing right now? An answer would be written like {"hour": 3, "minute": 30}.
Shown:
{"hour": 7, "minute": 11}
